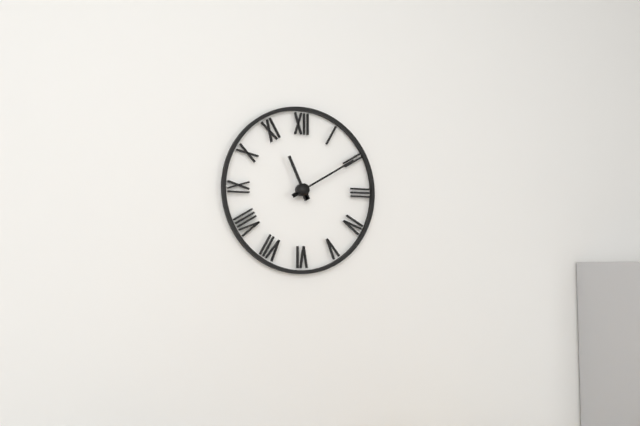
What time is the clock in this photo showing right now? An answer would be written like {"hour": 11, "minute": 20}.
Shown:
{"hour": 11, "minute": 10}
